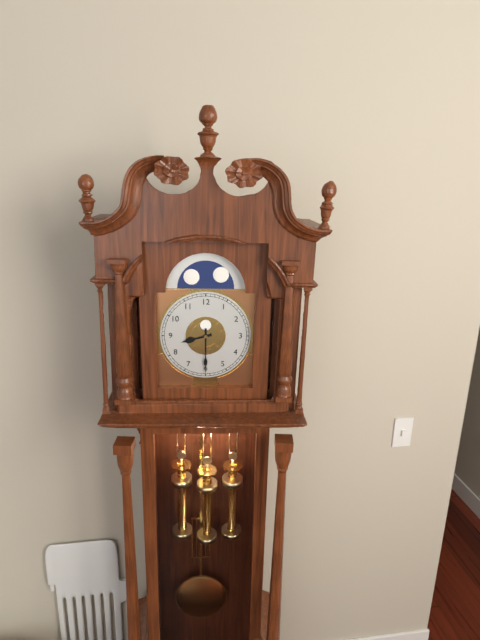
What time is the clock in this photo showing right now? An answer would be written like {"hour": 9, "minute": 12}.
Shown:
{"hour": 8, "minute": 30}
